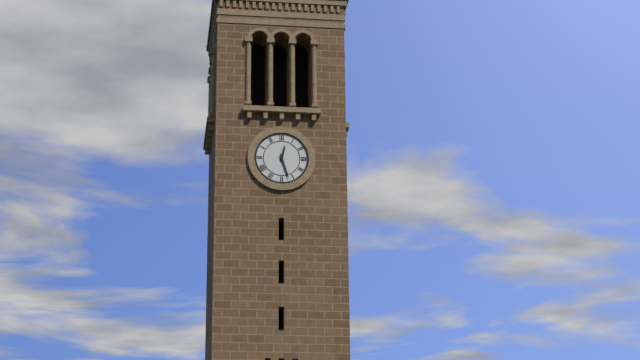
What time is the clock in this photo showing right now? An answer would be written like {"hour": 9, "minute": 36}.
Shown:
{"hour": 12, "minute": 27}
